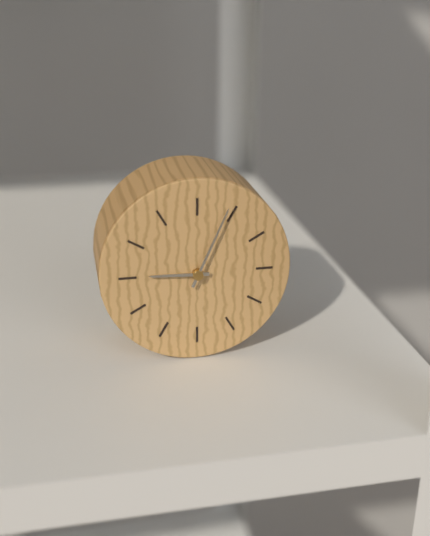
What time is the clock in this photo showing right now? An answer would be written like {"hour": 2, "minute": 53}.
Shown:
{"hour": 9, "minute": 4}
